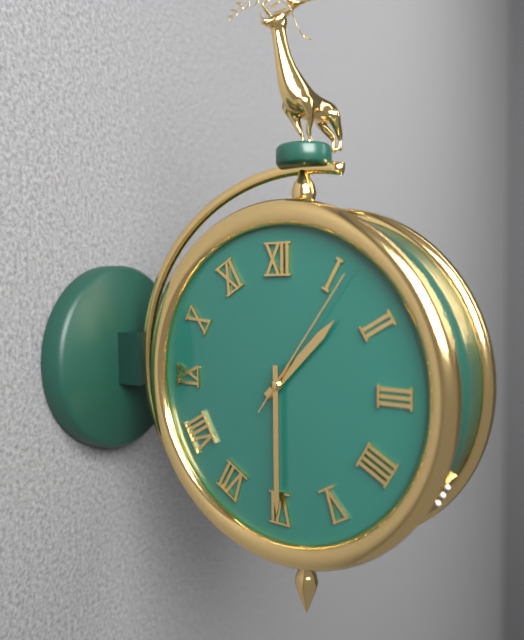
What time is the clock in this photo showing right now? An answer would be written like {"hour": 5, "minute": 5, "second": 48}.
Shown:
{"hour": 1, "minute": 30, "second": 6}
